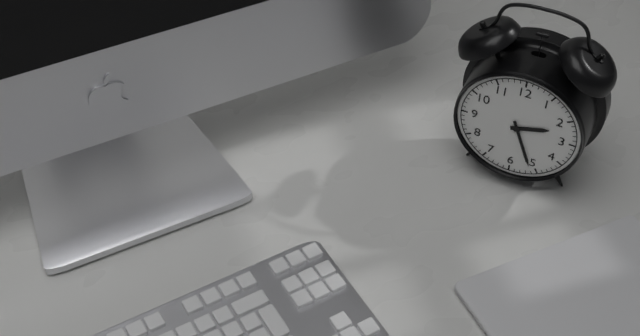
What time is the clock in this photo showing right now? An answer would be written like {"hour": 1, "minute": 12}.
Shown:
{"hour": 2, "minute": 26}
